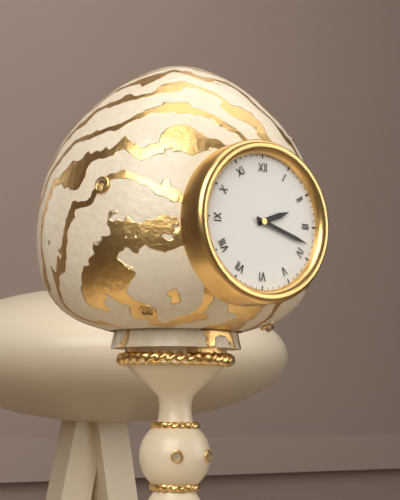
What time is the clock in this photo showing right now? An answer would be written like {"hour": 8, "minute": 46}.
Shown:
{"hour": 2, "minute": 18}
